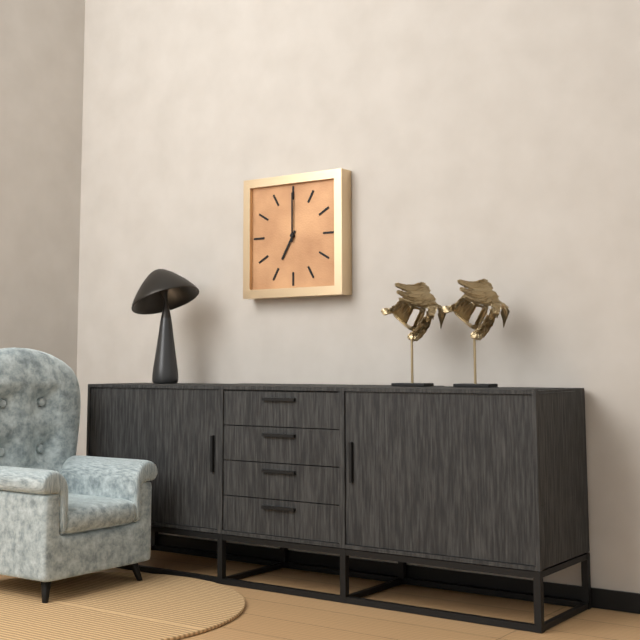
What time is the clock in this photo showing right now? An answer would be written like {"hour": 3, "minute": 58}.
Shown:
{"hour": 7, "minute": 0}
